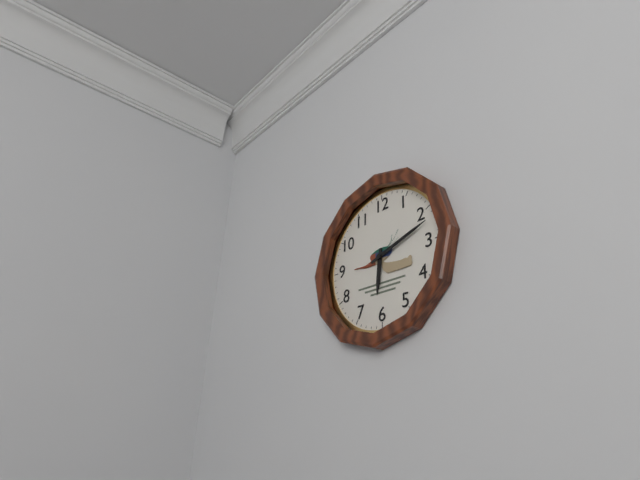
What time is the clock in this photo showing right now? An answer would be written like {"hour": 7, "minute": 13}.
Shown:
{"hour": 6, "minute": 12}
